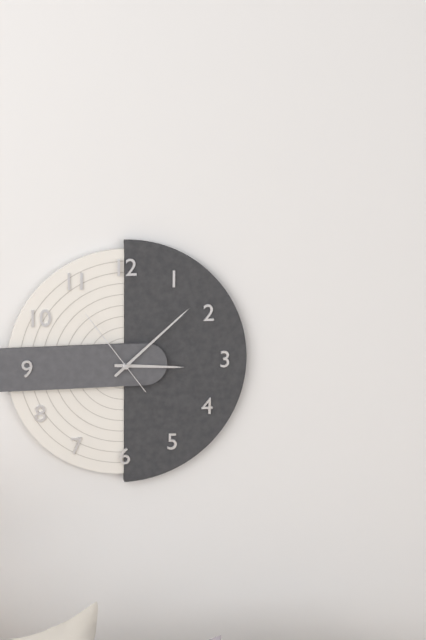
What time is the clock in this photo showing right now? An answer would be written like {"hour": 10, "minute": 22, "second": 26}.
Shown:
{"hour": 3, "minute": 8, "second": 54}
